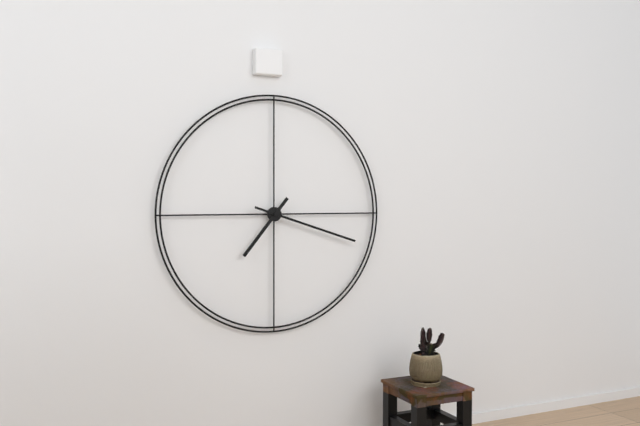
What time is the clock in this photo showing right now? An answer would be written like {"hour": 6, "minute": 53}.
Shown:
{"hour": 7, "minute": 18}
